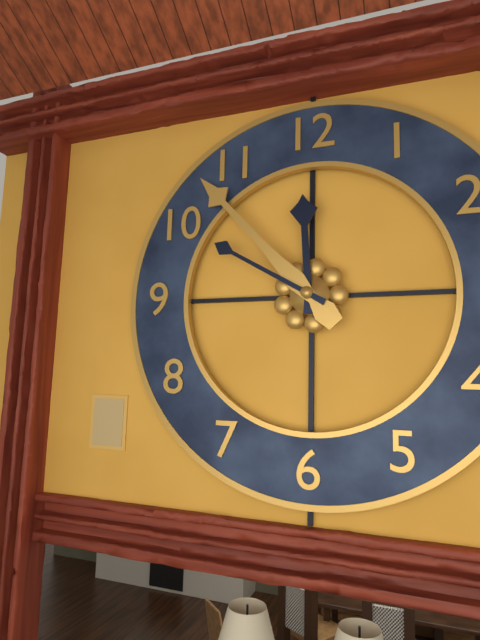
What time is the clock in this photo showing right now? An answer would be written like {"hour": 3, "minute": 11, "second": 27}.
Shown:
{"hour": 11, "minute": 53, "second": 50}
